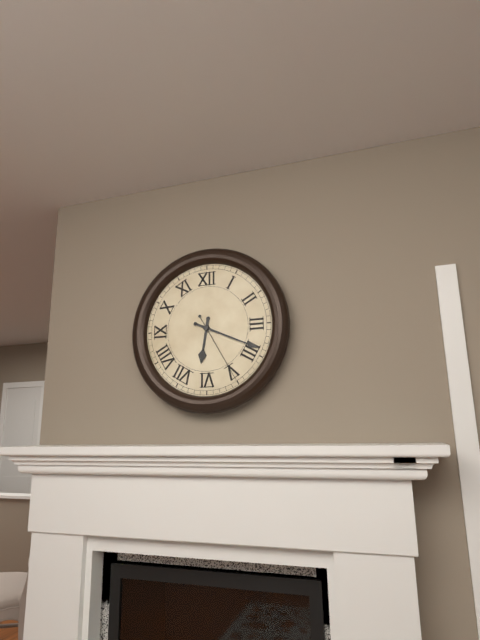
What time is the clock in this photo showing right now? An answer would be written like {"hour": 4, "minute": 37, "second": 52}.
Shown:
{"hour": 6, "minute": 19, "second": 25}
